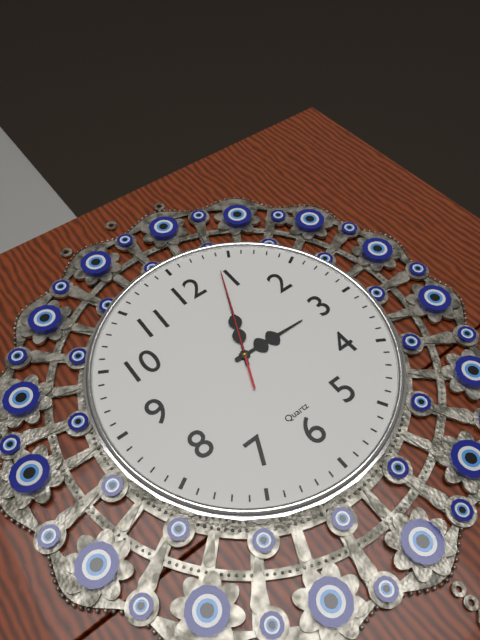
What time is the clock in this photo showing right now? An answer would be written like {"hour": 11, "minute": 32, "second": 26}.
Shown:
{"hour": 3, "minute": 4, "second": 4}
